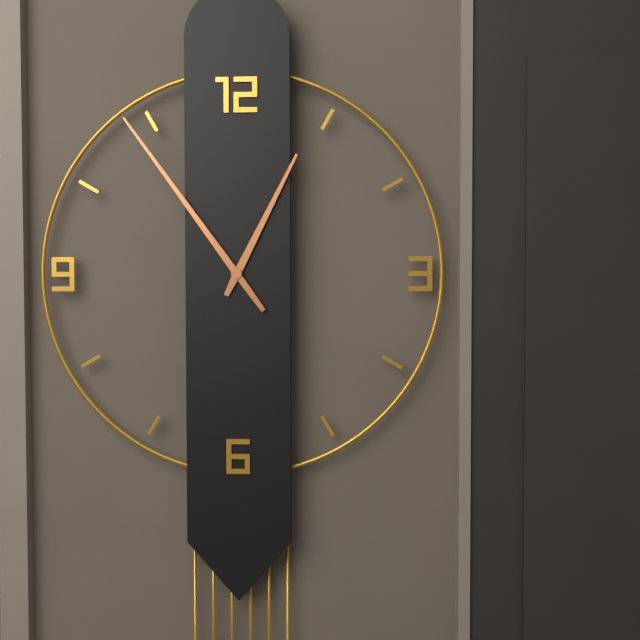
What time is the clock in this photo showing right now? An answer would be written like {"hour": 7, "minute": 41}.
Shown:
{"hour": 12, "minute": 54}
